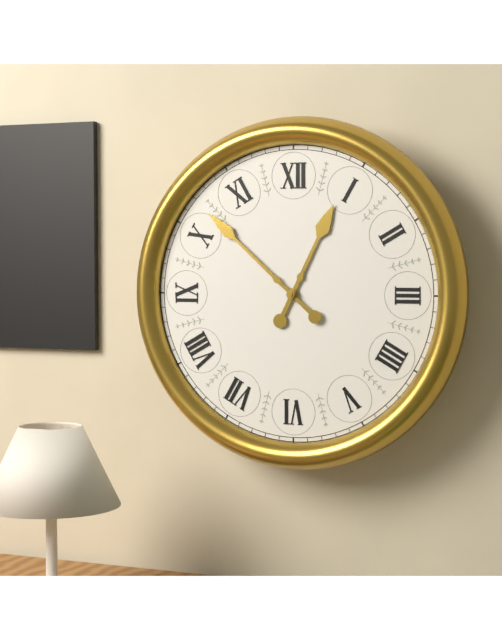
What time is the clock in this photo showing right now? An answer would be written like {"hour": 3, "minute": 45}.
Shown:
{"hour": 12, "minute": 52}
